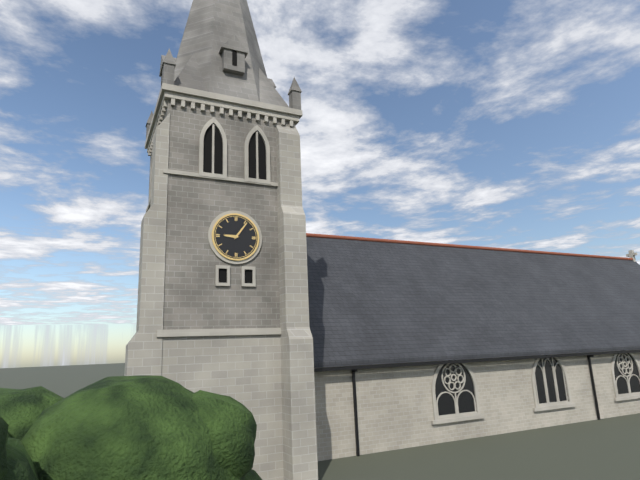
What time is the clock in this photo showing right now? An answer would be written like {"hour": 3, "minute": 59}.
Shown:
{"hour": 9, "minute": 6}
